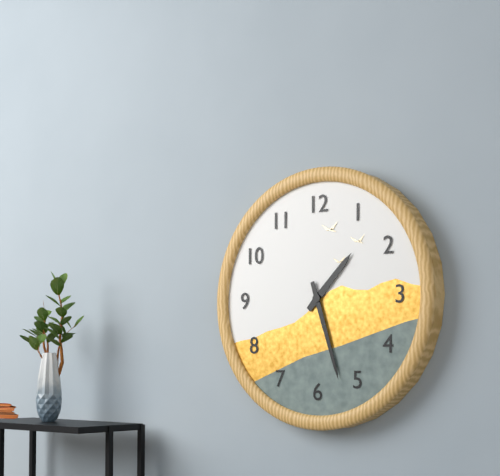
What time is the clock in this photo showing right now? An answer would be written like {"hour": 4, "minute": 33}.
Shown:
{"hour": 1, "minute": 27}
